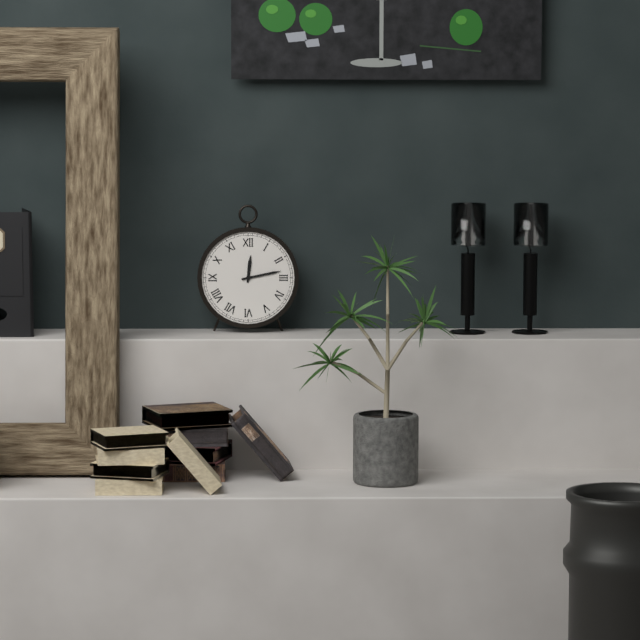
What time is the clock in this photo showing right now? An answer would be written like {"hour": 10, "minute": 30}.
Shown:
{"hour": 12, "minute": 13}
